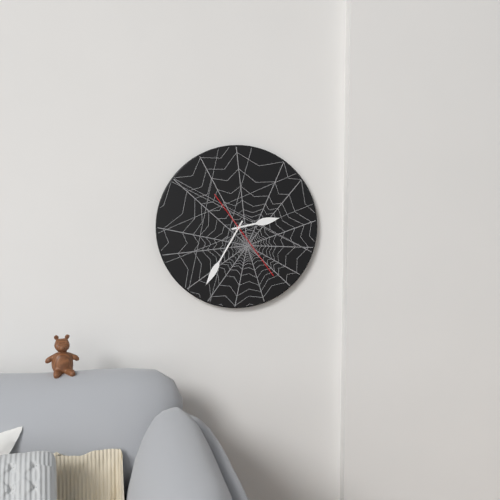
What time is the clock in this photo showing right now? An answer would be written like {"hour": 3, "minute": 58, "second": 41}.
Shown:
{"hour": 2, "minute": 35, "second": 24}
